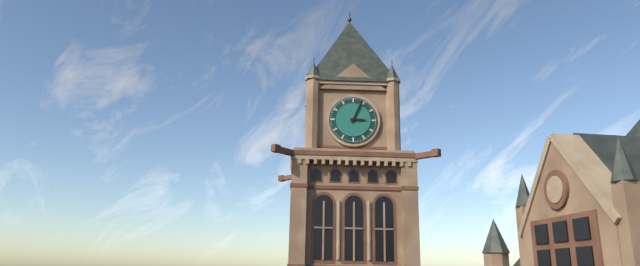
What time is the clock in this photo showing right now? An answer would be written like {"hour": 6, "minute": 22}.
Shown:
{"hour": 3, "minute": 4}
